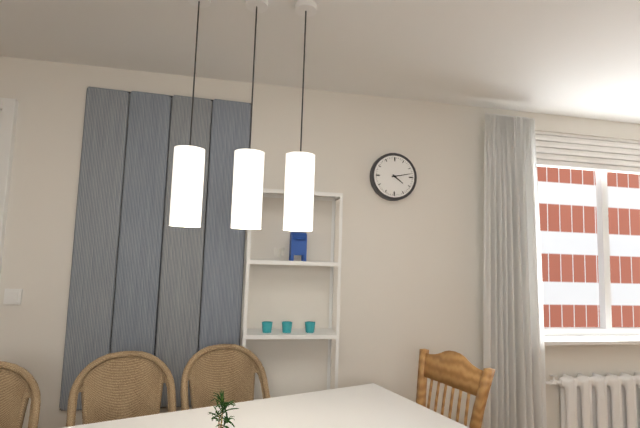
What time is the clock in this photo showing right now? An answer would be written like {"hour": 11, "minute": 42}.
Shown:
{"hour": 4, "minute": 13}
